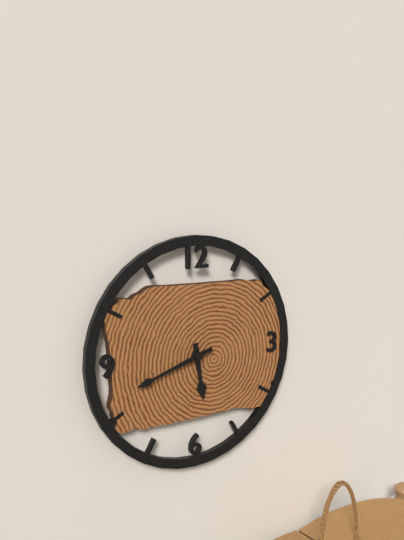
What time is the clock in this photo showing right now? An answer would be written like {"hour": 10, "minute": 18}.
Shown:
{"hour": 5, "minute": 42}
